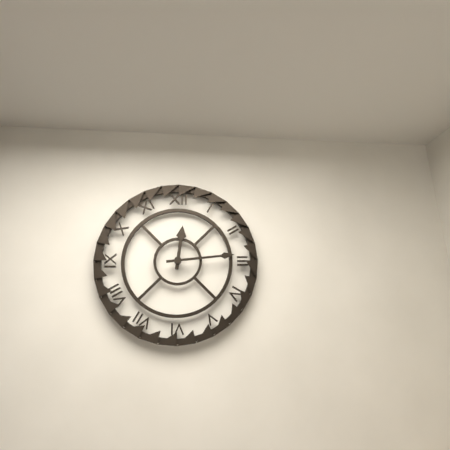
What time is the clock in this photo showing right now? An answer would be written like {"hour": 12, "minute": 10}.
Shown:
{"hour": 12, "minute": 14}
